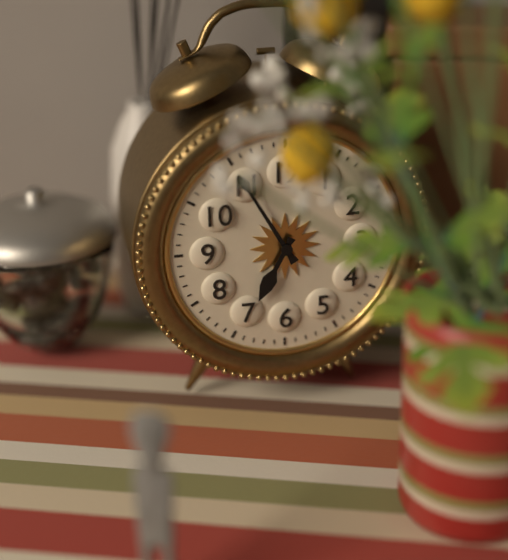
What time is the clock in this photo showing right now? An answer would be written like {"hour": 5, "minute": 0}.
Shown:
{"hour": 6, "minute": 55}
